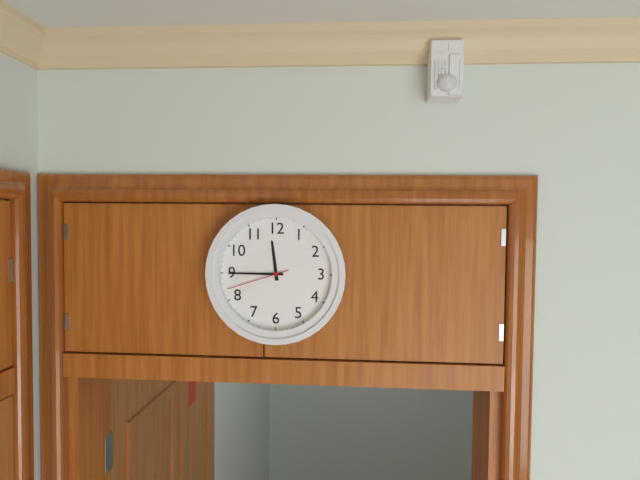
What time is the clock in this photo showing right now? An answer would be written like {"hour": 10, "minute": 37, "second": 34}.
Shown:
{"hour": 11, "minute": 45, "second": 42}
